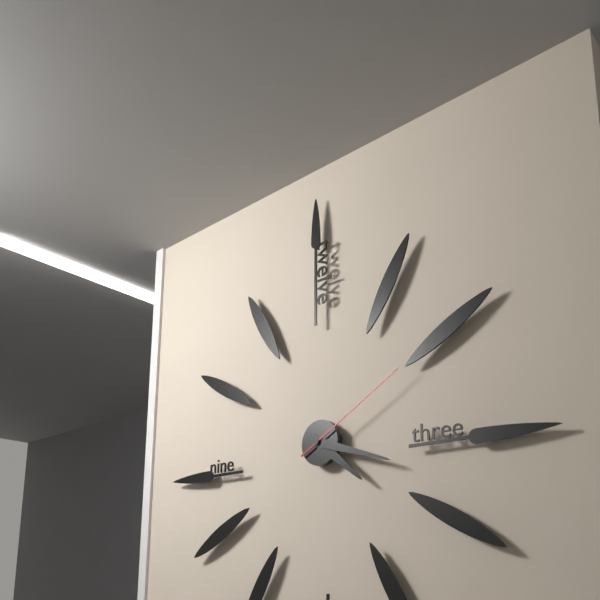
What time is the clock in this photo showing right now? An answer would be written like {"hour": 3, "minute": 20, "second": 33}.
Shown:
{"hour": 4, "minute": 18, "second": 10}
